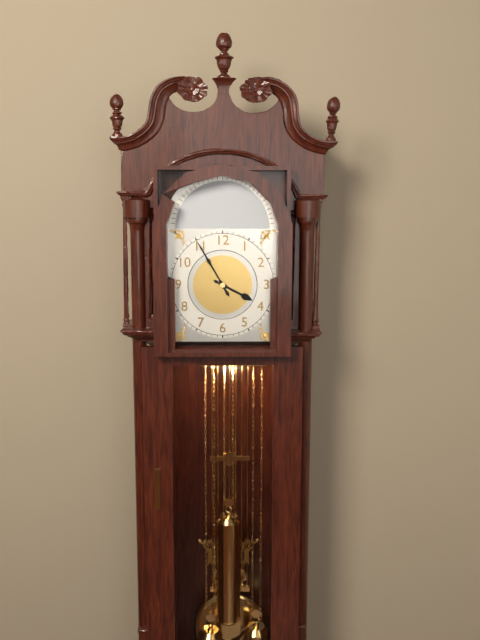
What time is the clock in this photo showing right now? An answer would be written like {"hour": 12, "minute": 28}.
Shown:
{"hour": 3, "minute": 55}
